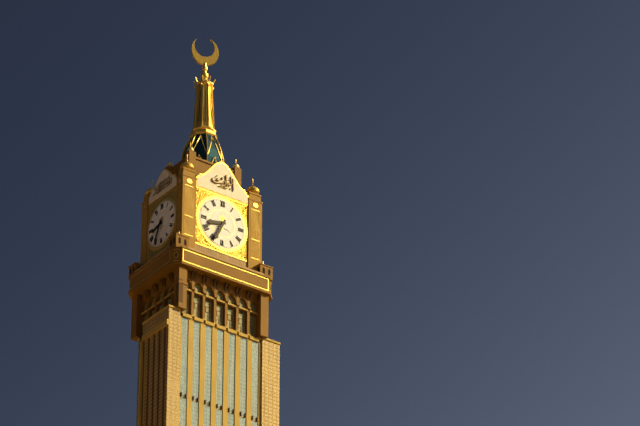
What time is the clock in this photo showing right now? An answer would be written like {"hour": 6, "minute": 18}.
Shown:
{"hour": 8, "minute": 34}
